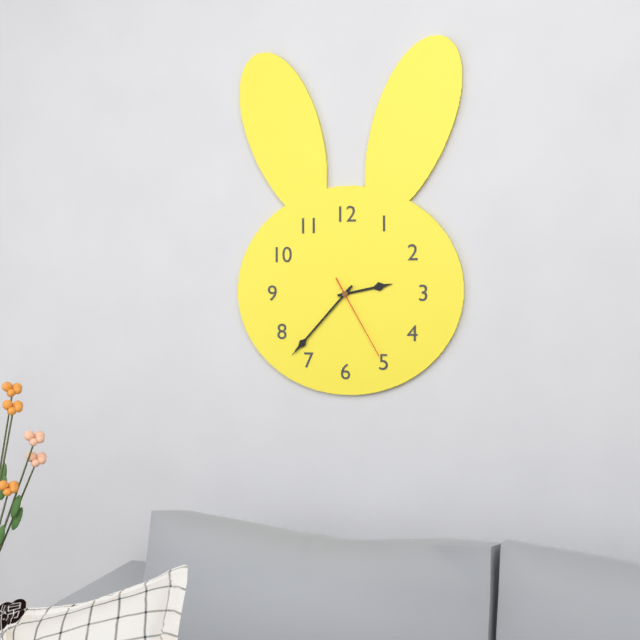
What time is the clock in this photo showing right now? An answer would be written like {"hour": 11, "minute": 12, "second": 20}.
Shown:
{"hour": 2, "minute": 37, "second": 25}
